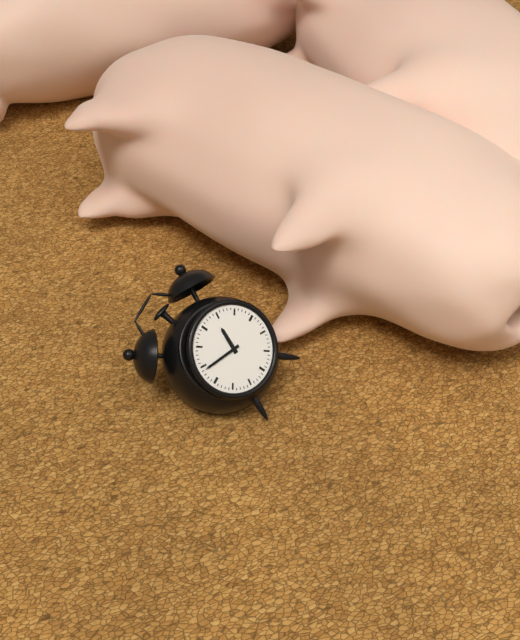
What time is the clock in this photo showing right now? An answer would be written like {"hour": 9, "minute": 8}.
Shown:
{"hour": 12, "minute": 49}
